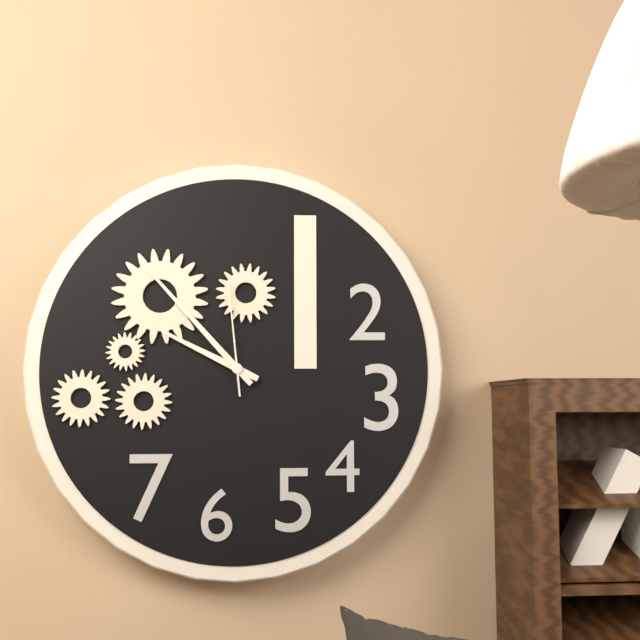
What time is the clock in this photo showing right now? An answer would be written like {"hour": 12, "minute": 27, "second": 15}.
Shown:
{"hour": 9, "minute": 53, "second": 59}
